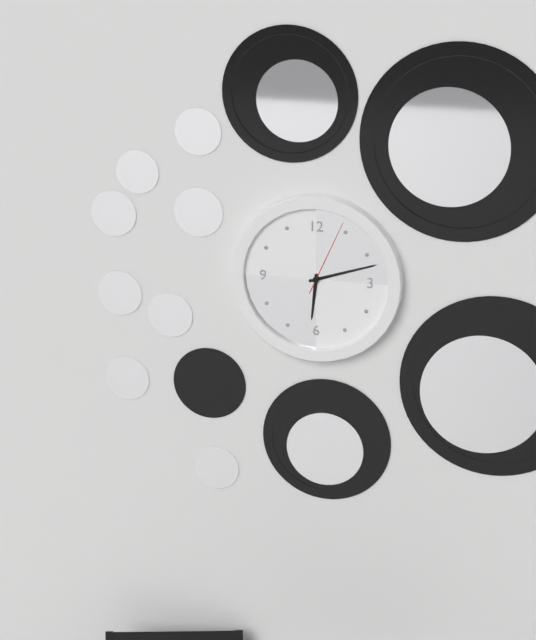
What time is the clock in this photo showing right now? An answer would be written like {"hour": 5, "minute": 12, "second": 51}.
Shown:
{"hour": 6, "minute": 12, "second": 4}
